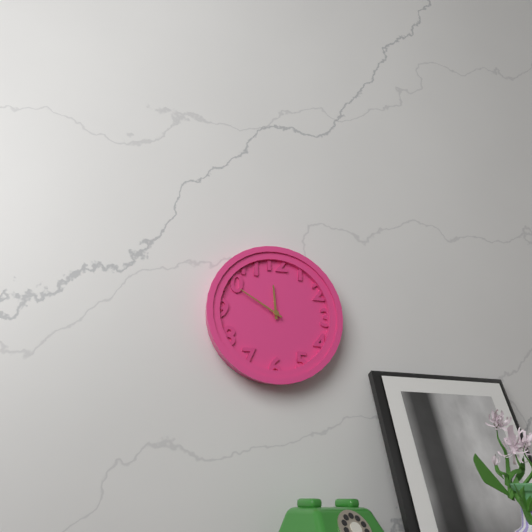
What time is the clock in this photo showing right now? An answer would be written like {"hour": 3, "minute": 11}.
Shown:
{"hour": 11, "minute": 50}
